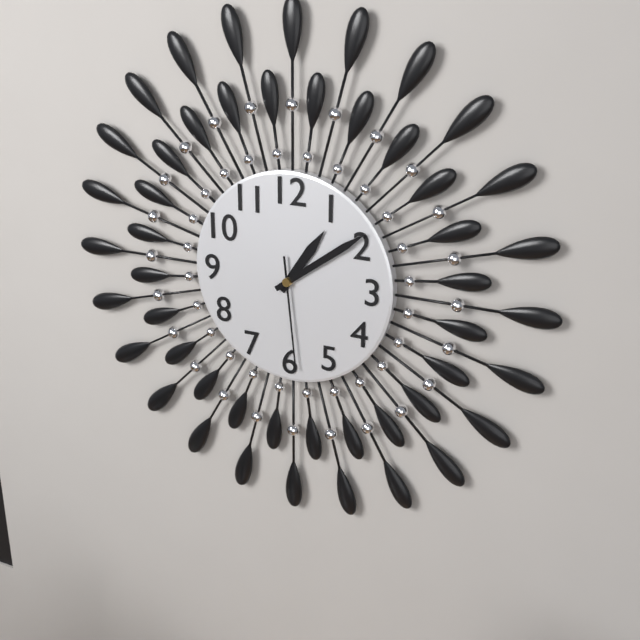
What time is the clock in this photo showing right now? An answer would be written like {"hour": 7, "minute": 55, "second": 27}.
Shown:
{"hour": 1, "minute": 9, "second": 29}
